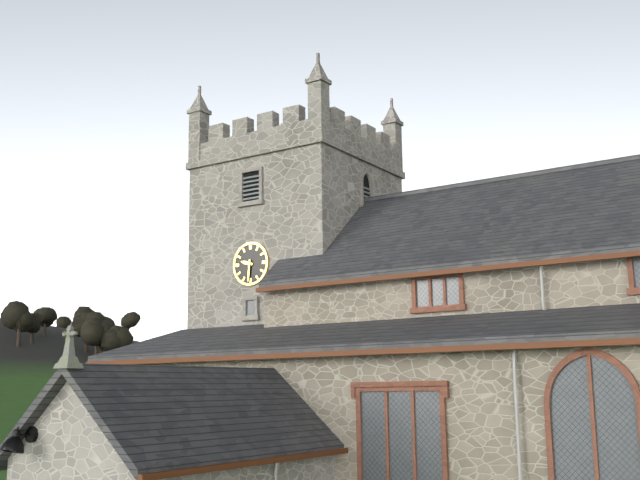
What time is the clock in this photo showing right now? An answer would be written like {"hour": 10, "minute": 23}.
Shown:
{"hour": 9, "minute": 31}
